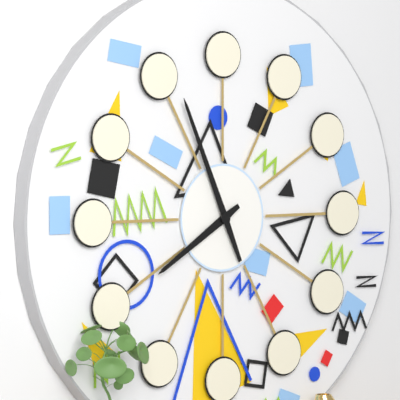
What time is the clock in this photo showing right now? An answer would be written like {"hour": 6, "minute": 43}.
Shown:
{"hour": 7, "minute": 56}
